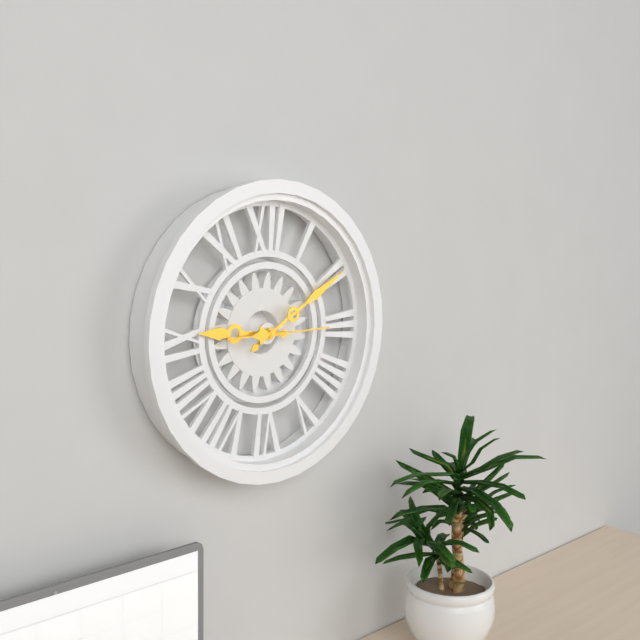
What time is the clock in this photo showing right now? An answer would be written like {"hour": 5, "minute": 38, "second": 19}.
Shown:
{"hour": 9, "minute": 10, "second": 15}
